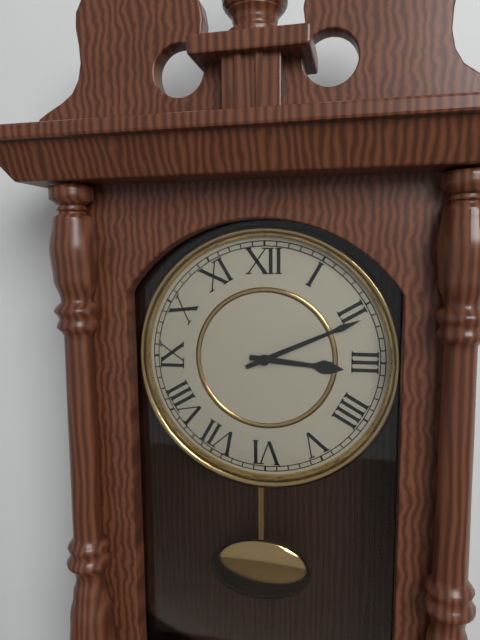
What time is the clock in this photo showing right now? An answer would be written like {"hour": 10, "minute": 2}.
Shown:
{"hour": 3, "minute": 11}
